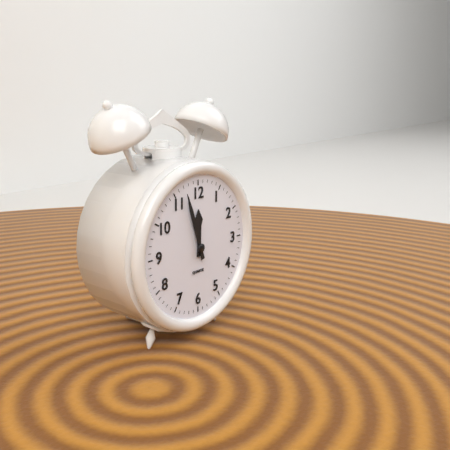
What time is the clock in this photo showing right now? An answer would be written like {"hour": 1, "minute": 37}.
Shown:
{"hour": 11, "minute": 57}
